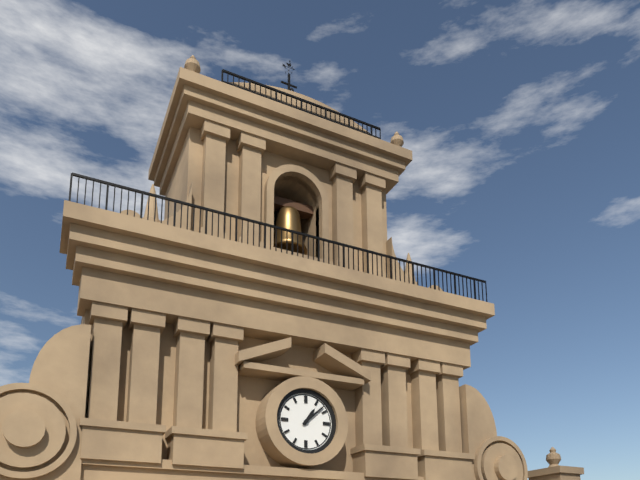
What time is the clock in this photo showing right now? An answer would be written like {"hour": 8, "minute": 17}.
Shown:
{"hour": 1, "minute": 8}
